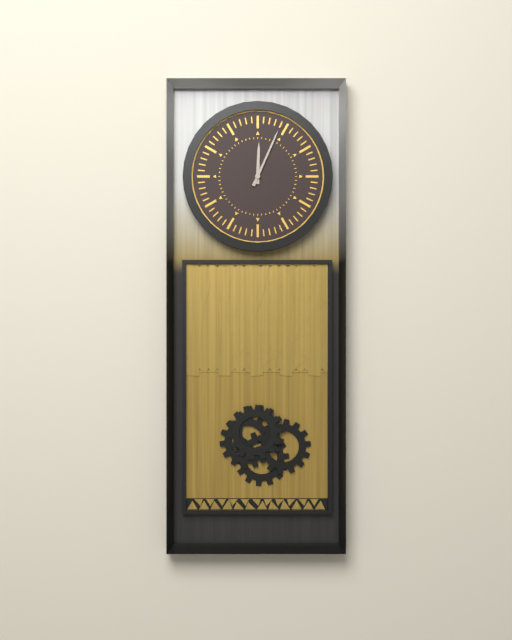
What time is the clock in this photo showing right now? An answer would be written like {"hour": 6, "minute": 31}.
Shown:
{"hour": 12, "minute": 4}
